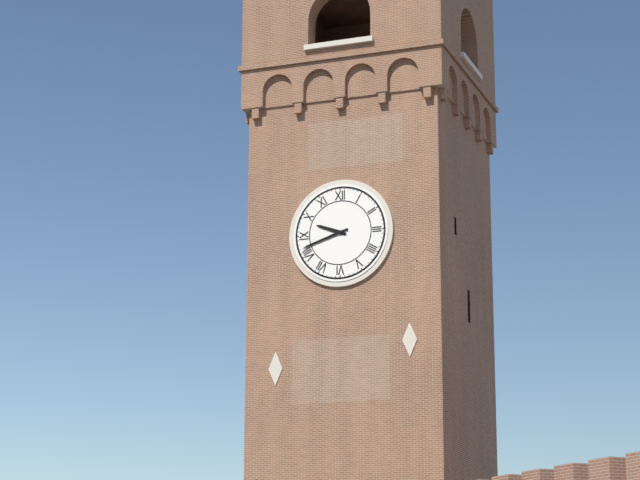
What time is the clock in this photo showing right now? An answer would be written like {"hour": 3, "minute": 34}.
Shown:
{"hour": 9, "minute": 42}
